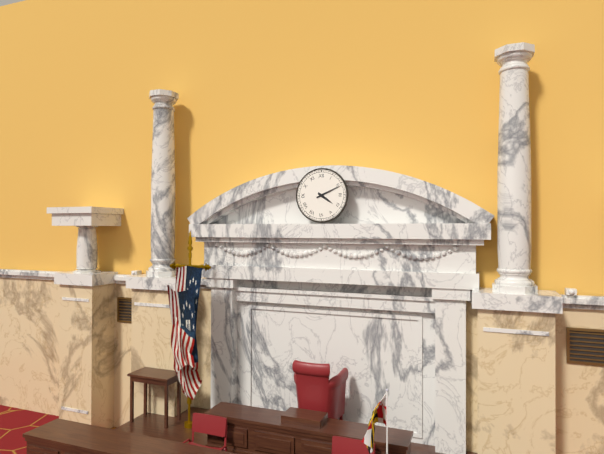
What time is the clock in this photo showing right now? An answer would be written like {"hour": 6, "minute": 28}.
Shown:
{"hour": 4, "minute": 11}
